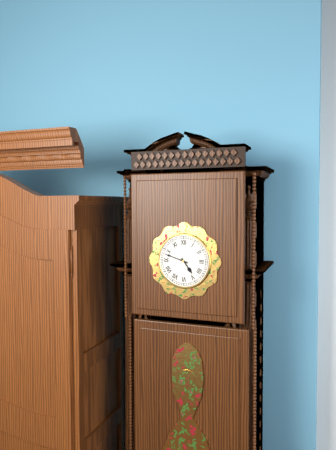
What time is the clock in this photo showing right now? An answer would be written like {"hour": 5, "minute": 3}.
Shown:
{"hour": 4, "minute": 48}
